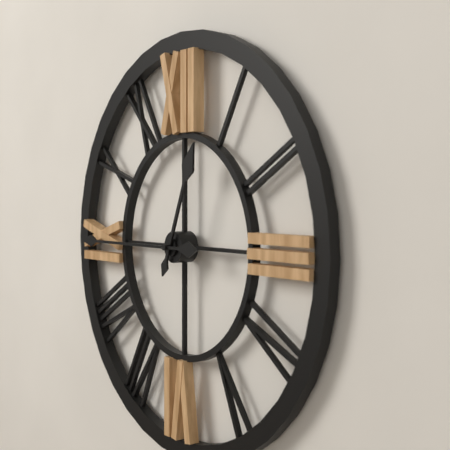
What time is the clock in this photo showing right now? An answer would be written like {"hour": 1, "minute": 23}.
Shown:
{"hour": 12, "minute": 45}
